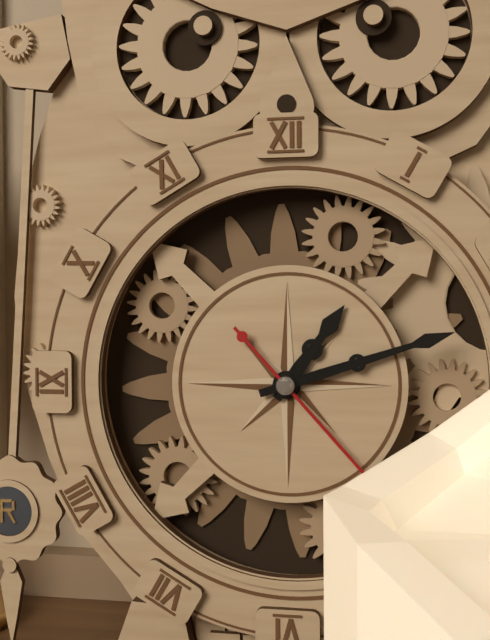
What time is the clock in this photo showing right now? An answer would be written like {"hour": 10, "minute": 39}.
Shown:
{"hour": 1, "minute": 12}
